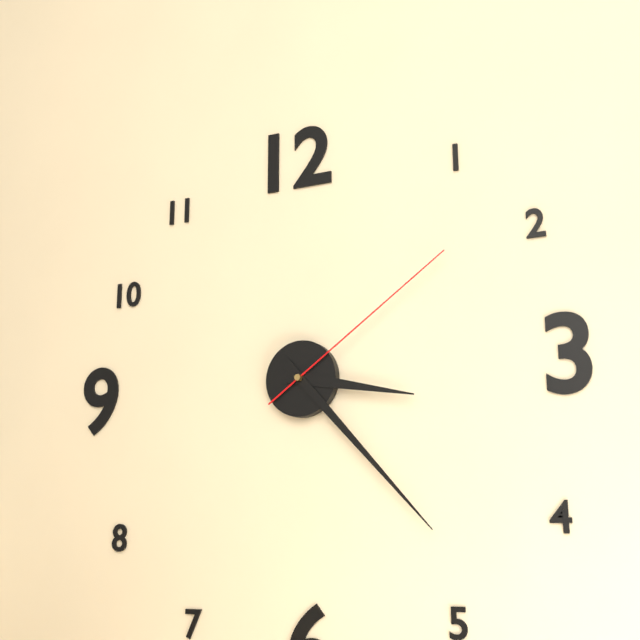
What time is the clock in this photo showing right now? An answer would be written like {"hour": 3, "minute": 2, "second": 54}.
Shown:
{"hour": 3, "minute": 23, "second": 9}
